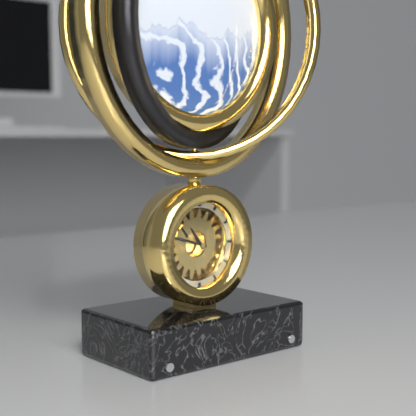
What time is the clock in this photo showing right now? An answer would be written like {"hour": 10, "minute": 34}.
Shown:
{"hour": 10, "minute": 48}
